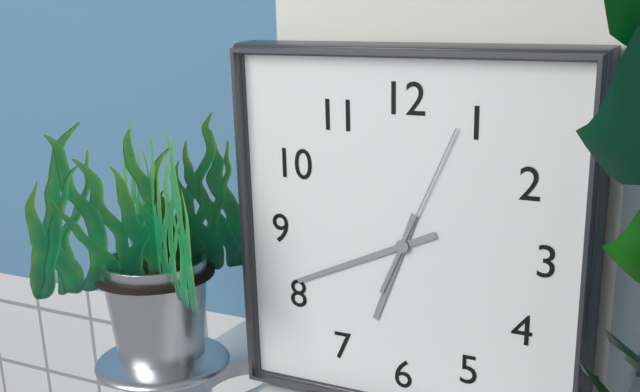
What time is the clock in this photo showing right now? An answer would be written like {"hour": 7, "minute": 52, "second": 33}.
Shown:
{"hour": 6, "minute": 41, "second": 4}
